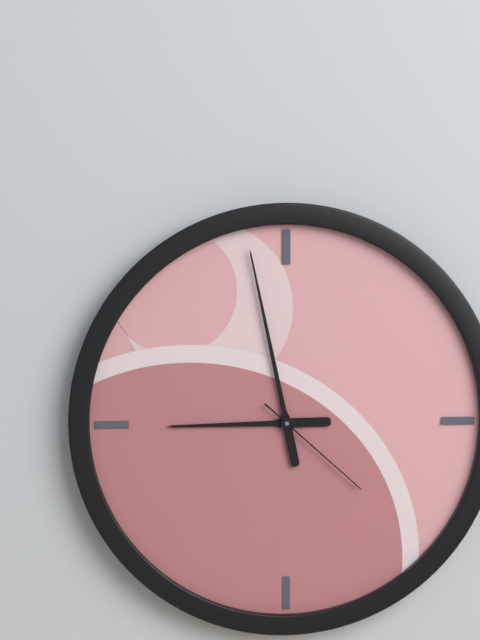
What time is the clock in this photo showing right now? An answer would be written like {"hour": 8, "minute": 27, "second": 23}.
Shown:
{"hour": 8, "minute": 58, "second": 22}
